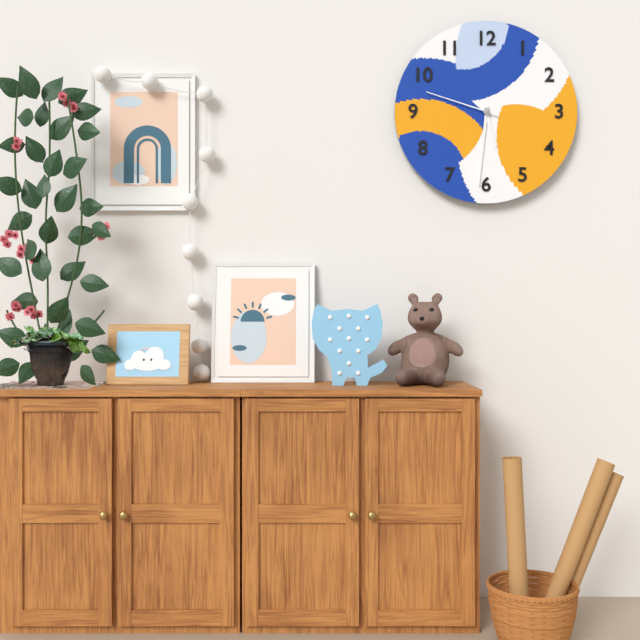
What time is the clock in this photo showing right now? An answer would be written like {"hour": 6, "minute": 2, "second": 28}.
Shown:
{"hour": 5, "minute": 31, "second": 48}
